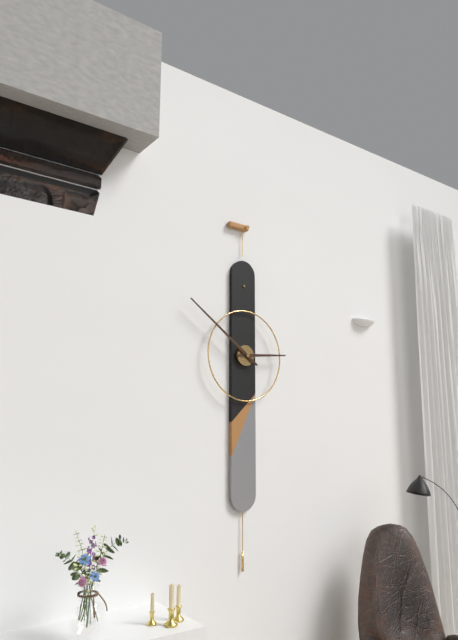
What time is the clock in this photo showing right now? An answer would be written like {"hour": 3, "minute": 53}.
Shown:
{"hour": 2, "minute": 51}
